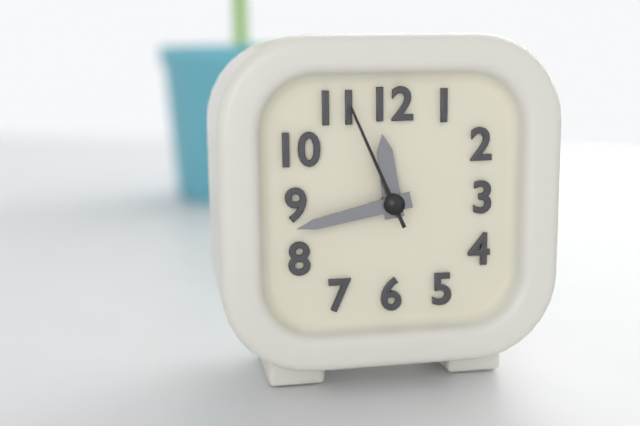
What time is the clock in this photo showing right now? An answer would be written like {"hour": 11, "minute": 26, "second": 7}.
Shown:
{"hour": 11, "minute": 43, "second": 56}
